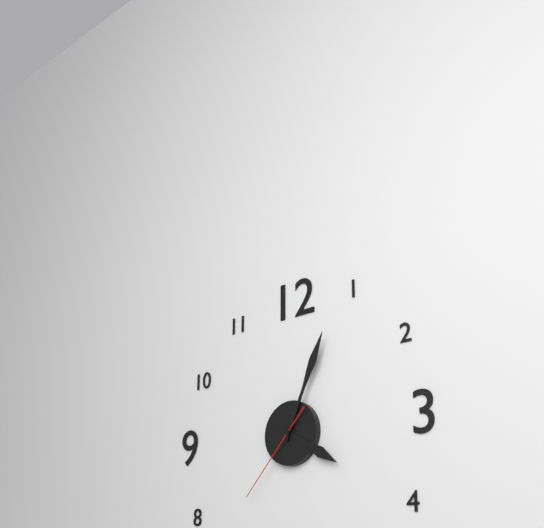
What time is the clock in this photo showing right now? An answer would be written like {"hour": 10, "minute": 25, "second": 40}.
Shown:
{"hour": 4, "minute": 4, "second": 37}
